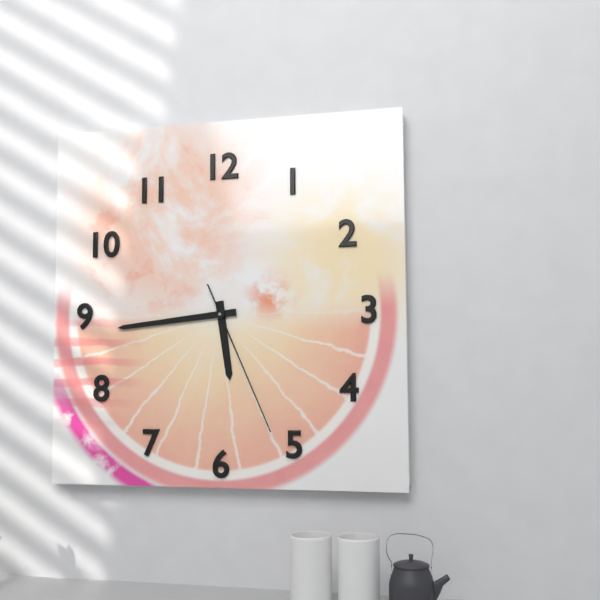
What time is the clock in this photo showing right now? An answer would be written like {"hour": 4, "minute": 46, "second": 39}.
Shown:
{"hour": 5, "minute": 44, "second": 26}
